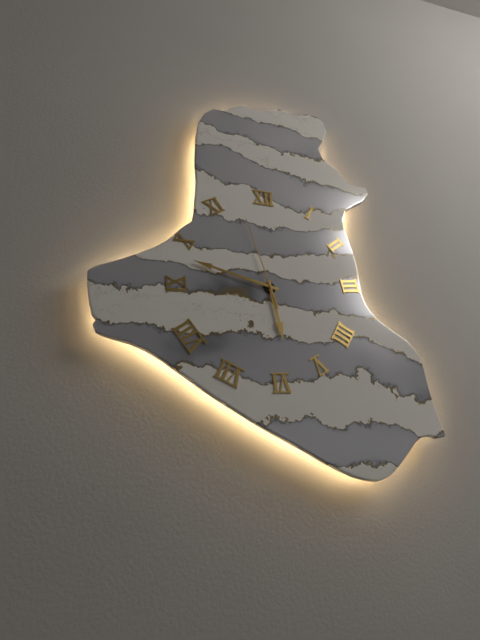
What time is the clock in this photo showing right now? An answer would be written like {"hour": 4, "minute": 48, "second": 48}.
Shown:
{"hour": 5, "minute": 48, "second": 58}
